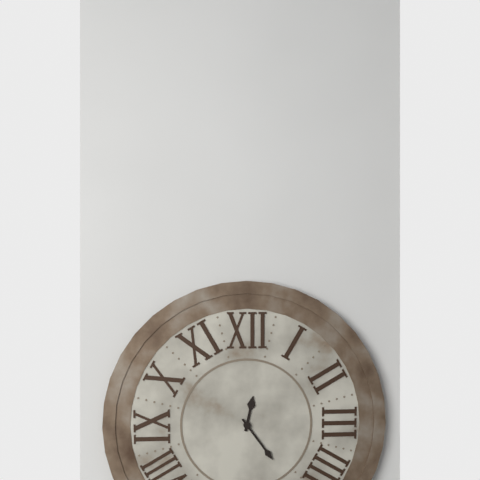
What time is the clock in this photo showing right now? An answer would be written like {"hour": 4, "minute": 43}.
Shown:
{"hour": 12, "minute": 24}
